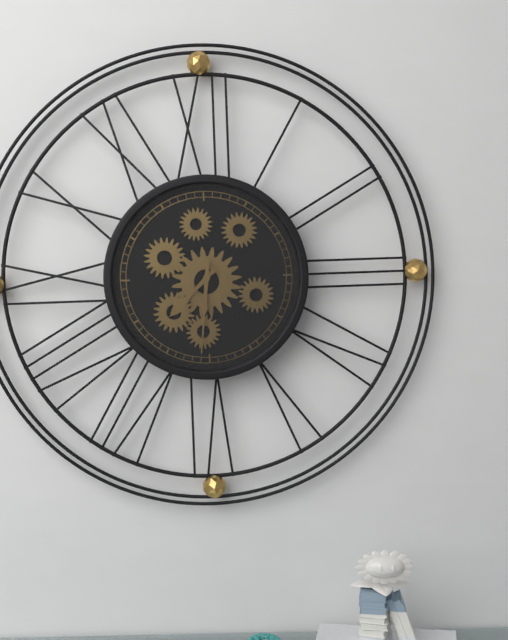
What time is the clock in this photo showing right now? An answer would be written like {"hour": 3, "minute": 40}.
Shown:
{"hour": 7, "minute": 31}
